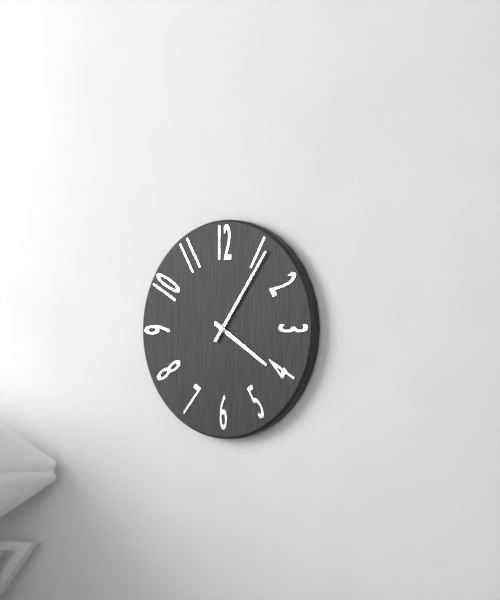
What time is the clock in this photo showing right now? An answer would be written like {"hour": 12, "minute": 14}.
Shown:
{"hour": 4, "minute": 6}
